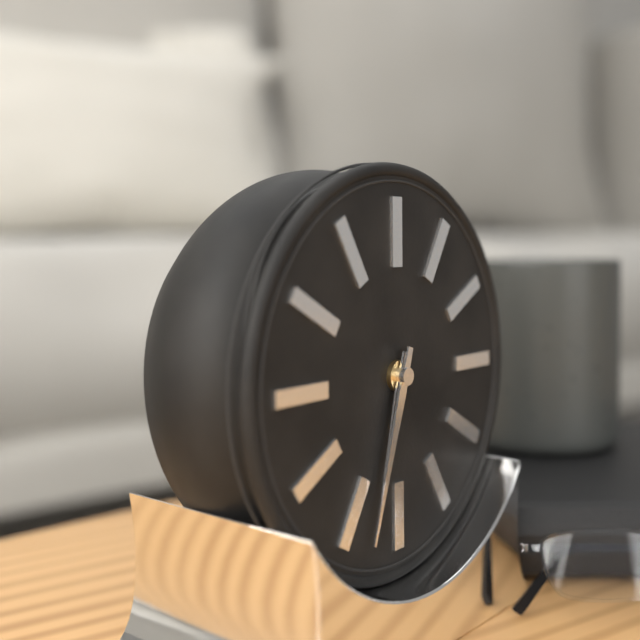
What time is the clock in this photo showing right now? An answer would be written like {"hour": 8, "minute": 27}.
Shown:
{"hour": 6, "minute": 33}
